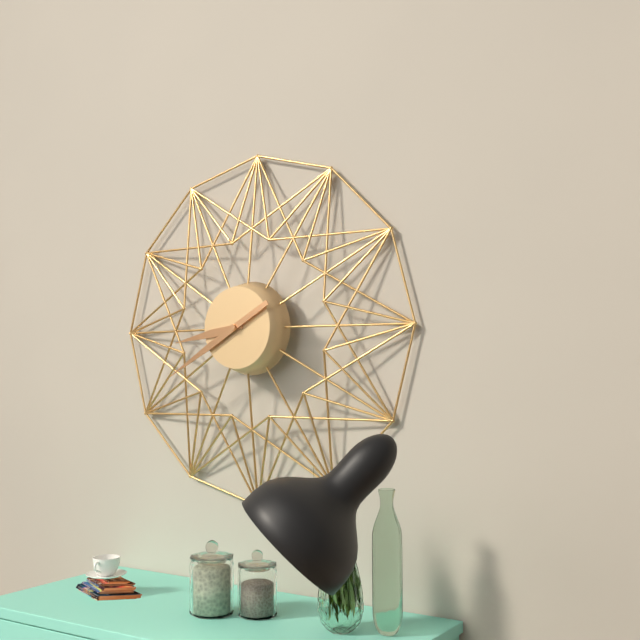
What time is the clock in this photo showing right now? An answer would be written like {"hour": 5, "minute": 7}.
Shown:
{"hour": 8, "minute": 40}
